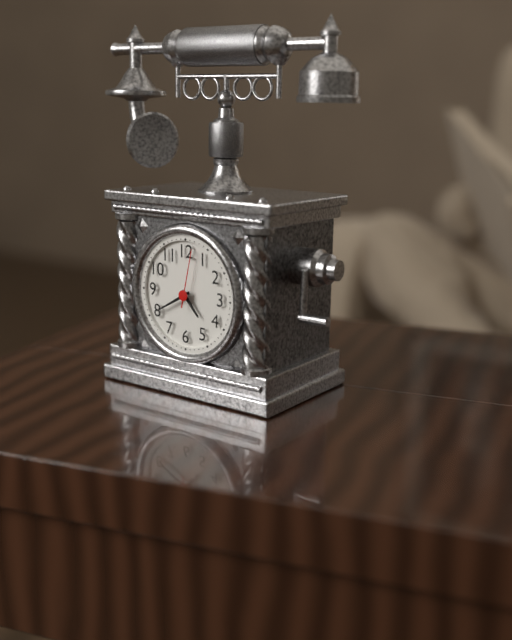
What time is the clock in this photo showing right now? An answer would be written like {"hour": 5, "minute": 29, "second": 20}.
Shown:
{"hour": 4, "minute": 40, "second": 2}
